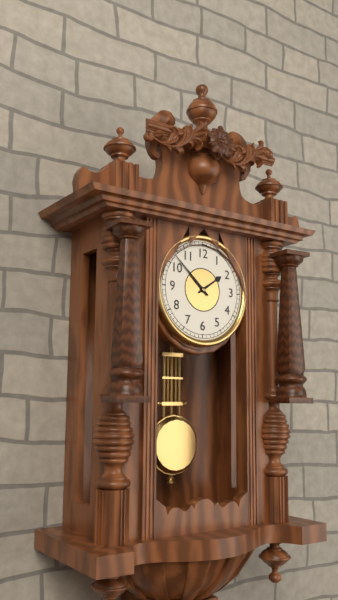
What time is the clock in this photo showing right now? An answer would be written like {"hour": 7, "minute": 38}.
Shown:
{"hour": 1, "minute": 52}
